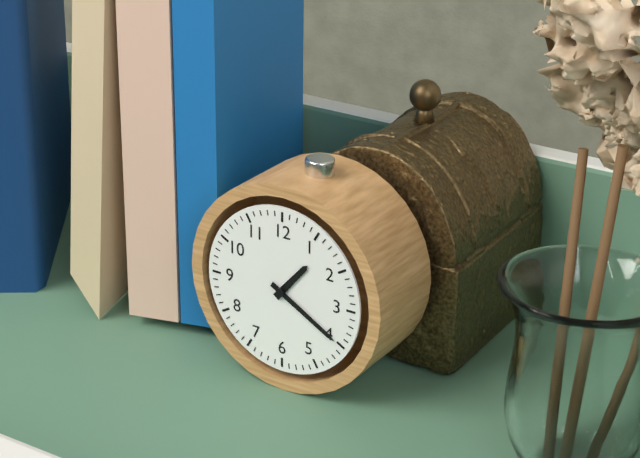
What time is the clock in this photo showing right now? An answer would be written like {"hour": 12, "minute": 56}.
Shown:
{"hour": 1, "minute": 20}
